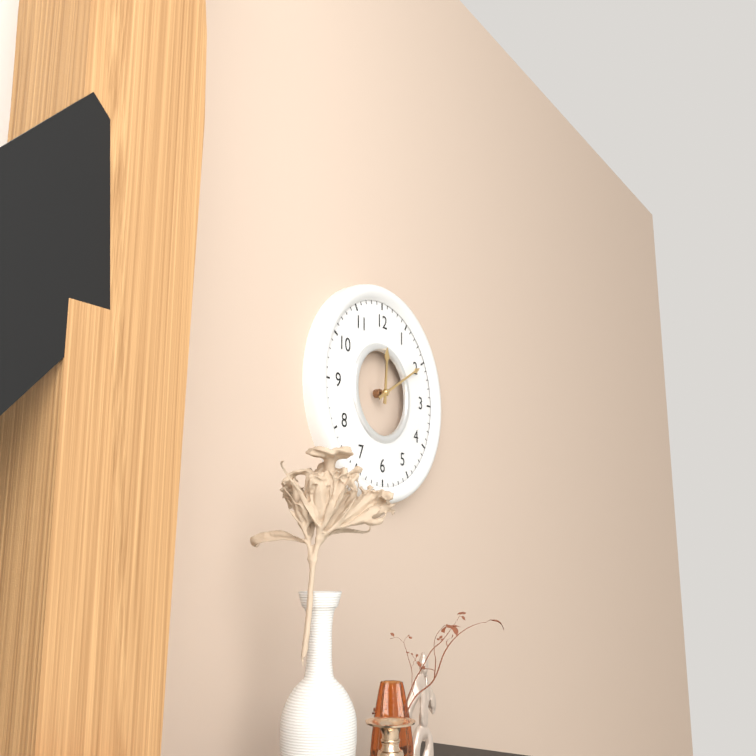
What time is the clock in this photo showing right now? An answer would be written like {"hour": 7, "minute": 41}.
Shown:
{"hour": 12, "minute": 10}
